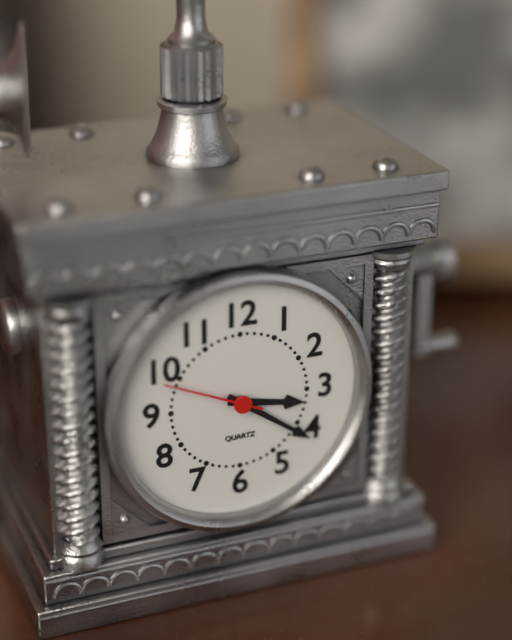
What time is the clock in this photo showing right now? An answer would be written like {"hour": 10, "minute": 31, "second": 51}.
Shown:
{"hour": 3, "minute": 21, "second": 49}
